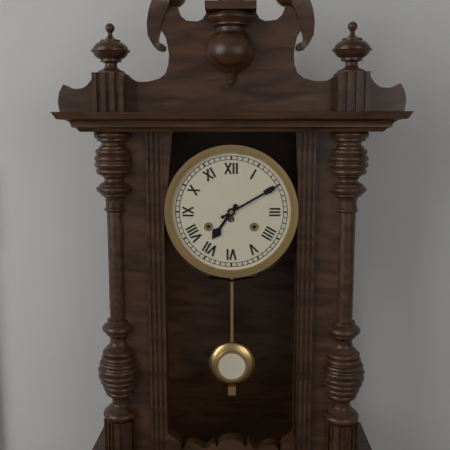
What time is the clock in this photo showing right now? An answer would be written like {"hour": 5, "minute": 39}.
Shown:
{"hour": 7, "minute": 10}
